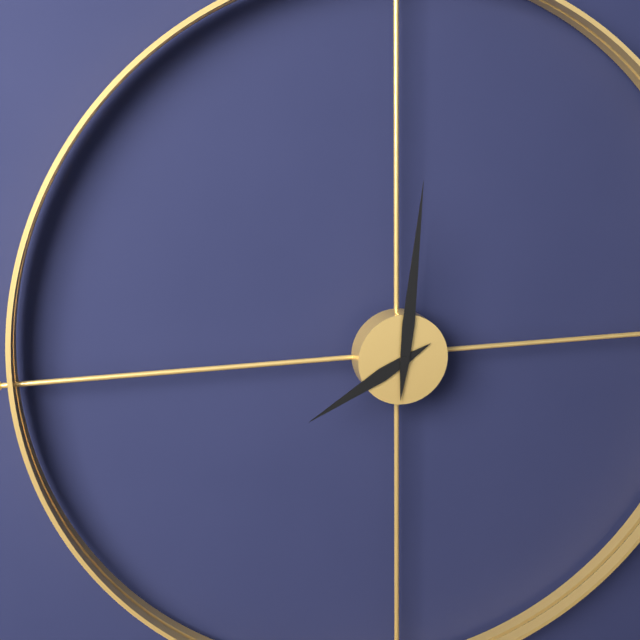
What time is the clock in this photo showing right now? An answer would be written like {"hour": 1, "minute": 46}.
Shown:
{"hour": 8, "minute": 1}
